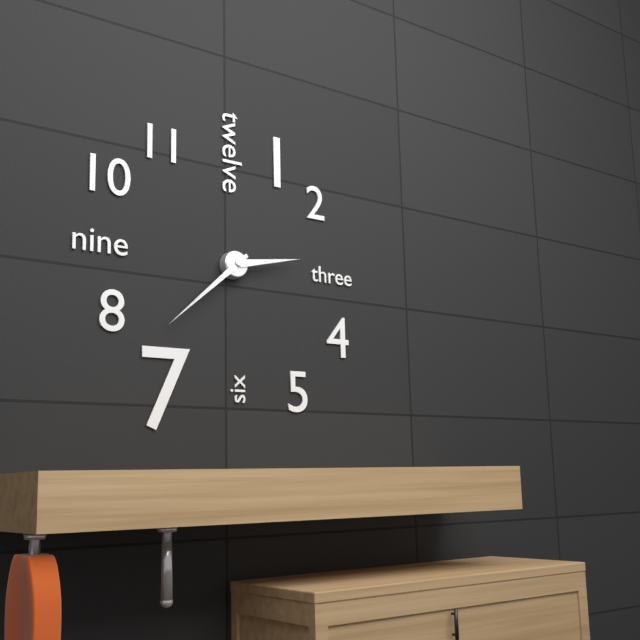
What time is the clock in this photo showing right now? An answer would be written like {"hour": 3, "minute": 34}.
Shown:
{"hour": 2, "minute": 38}
